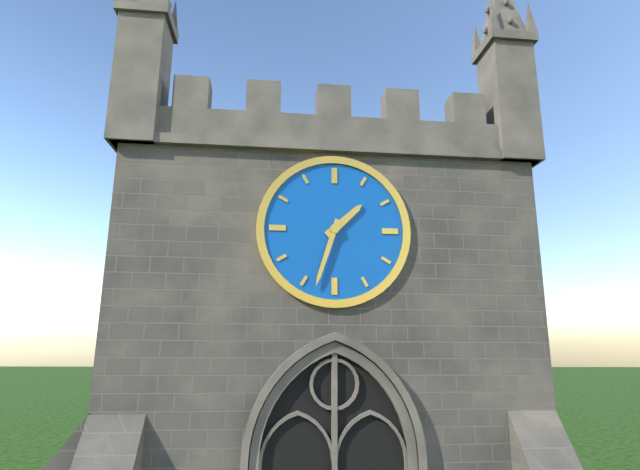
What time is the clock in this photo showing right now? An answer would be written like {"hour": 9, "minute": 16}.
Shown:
{"hour": 1, "minute": 33}
